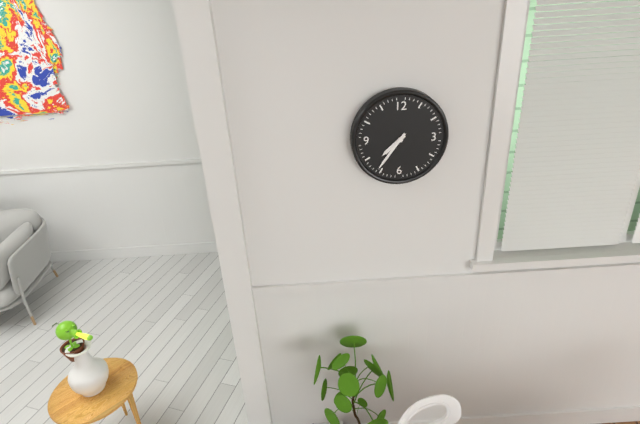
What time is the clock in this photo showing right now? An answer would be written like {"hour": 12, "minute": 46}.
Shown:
{"hour": 7, "minute": 36}
